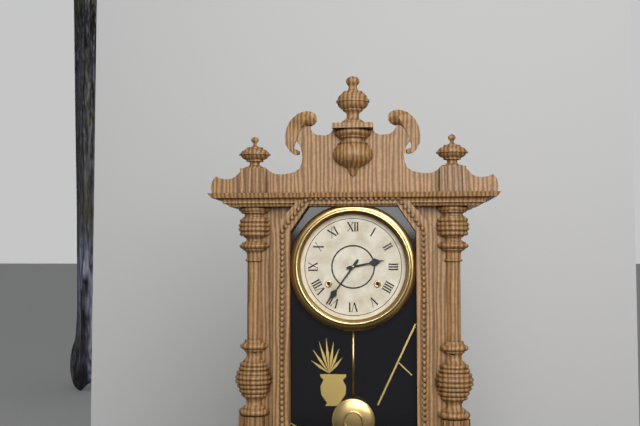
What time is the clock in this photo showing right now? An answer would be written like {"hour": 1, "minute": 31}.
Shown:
{"hour": 2, "minute": 36}
